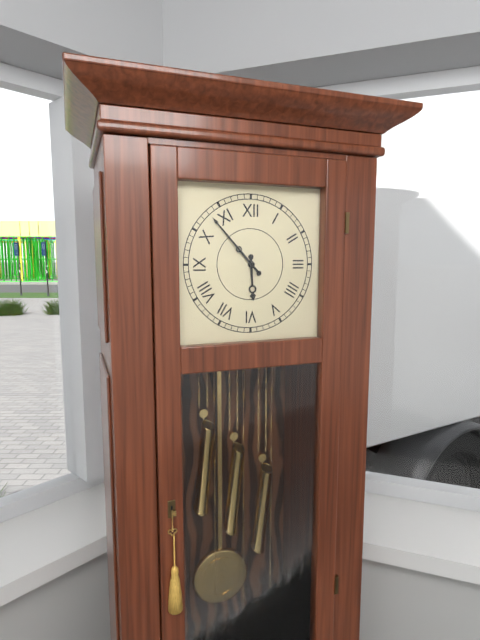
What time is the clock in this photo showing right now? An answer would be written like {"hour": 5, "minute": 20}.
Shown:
{"hour": 5, "minute": 53}
